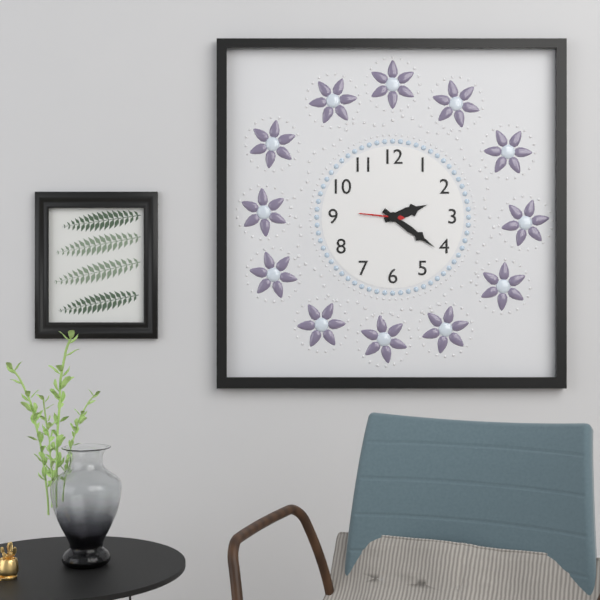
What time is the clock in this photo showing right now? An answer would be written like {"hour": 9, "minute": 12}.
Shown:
{"hour": 2, "minute": 21}
